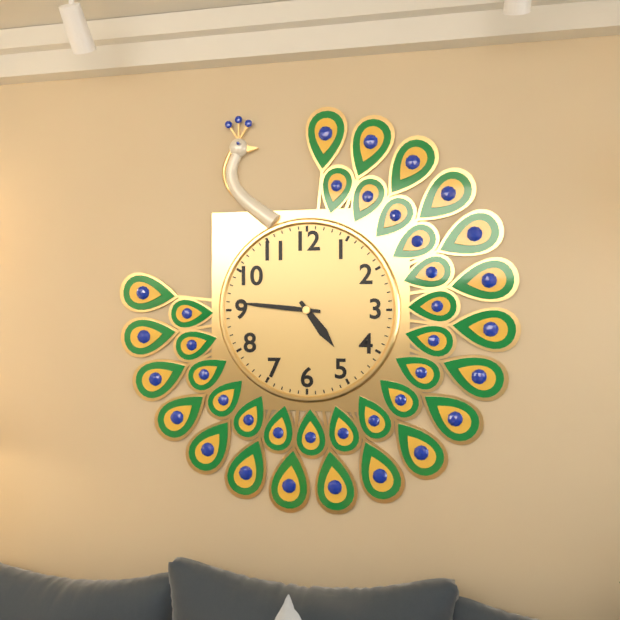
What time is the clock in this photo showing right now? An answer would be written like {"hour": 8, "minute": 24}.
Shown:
{"hour": 4, "minute": 46}
